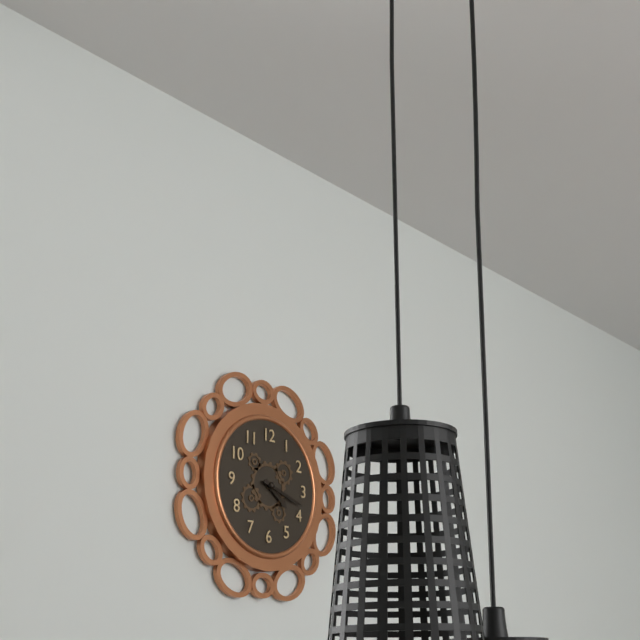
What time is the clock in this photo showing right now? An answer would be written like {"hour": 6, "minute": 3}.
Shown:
{"hour": 4, "minute": 18}
